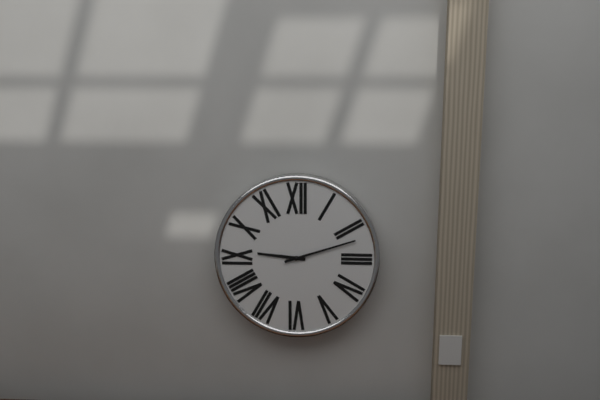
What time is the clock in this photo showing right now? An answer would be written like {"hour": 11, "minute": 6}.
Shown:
{"hour": 9, "minute": 12}
